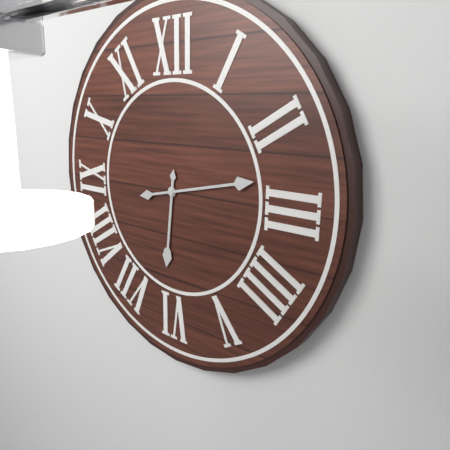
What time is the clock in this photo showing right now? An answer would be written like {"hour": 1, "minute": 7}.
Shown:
{"hour": 6, "minute": 13}
